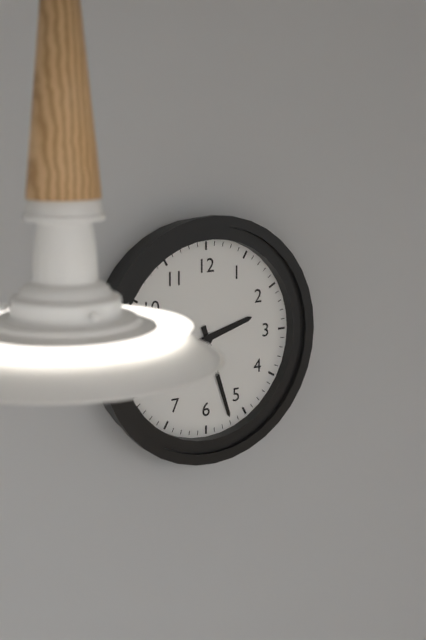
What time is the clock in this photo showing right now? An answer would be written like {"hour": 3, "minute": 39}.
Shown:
{"hour": 2, "minute": 27}
